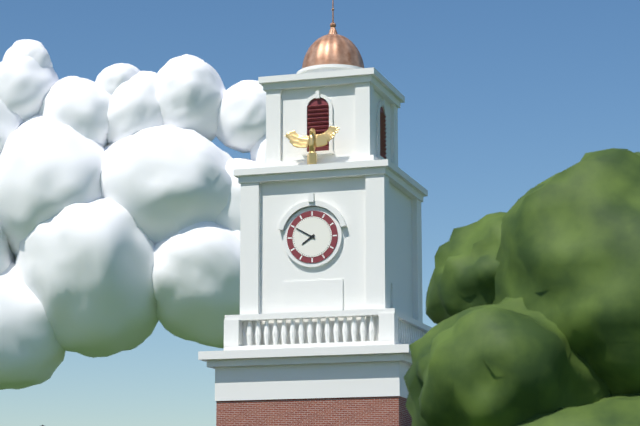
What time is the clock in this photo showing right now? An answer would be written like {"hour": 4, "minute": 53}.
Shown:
{"hour": 7, "minute": 50}
